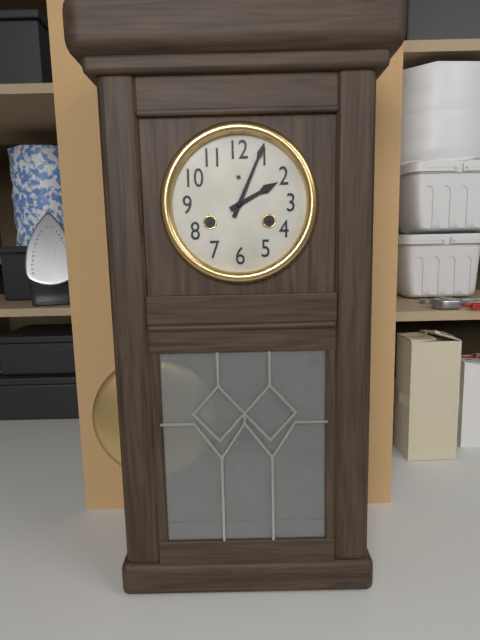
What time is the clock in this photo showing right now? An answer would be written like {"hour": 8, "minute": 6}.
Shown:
{"hour": 2, "minute": 4}
